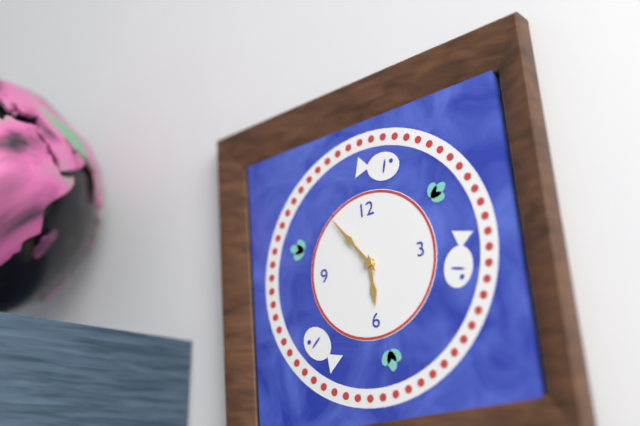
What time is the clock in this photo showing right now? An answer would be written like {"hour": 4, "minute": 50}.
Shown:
{"hour": 5, "minute": 54}
